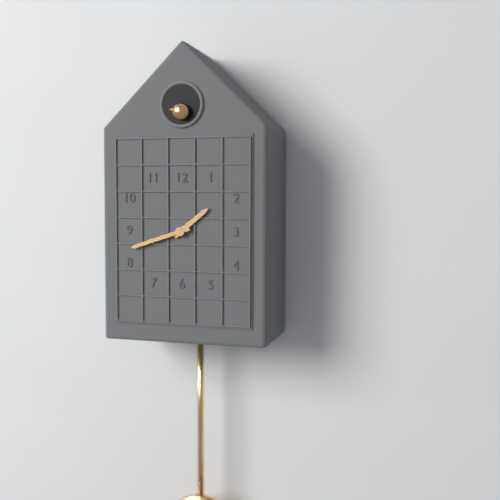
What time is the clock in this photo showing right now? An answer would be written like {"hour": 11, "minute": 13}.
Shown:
{"hour": 1, "minute": 42}
